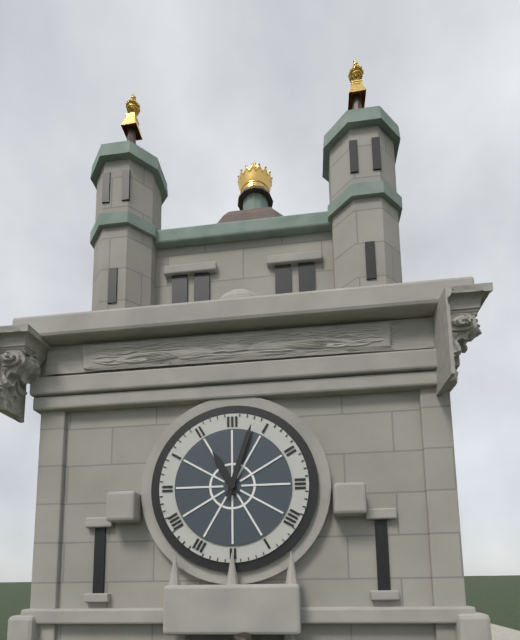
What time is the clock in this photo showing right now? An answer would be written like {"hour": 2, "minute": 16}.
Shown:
{"hour": 11, "minute": 3}
